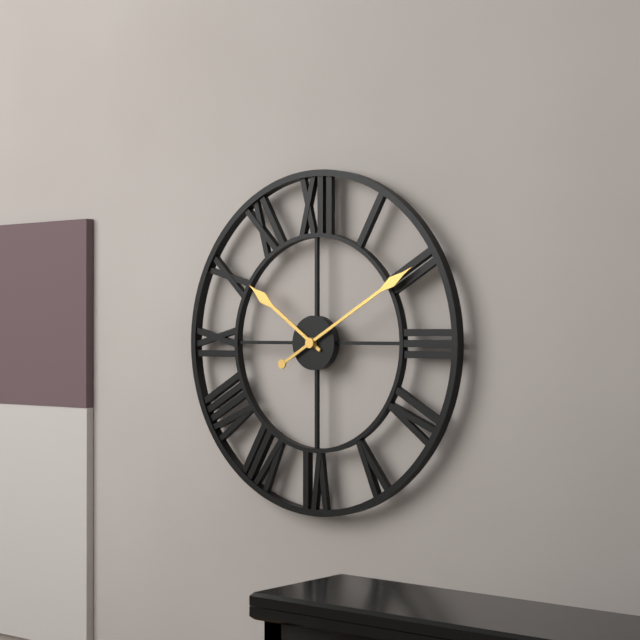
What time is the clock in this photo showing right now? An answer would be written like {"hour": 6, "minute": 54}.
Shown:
{"hour": 10, "minute": 10}
